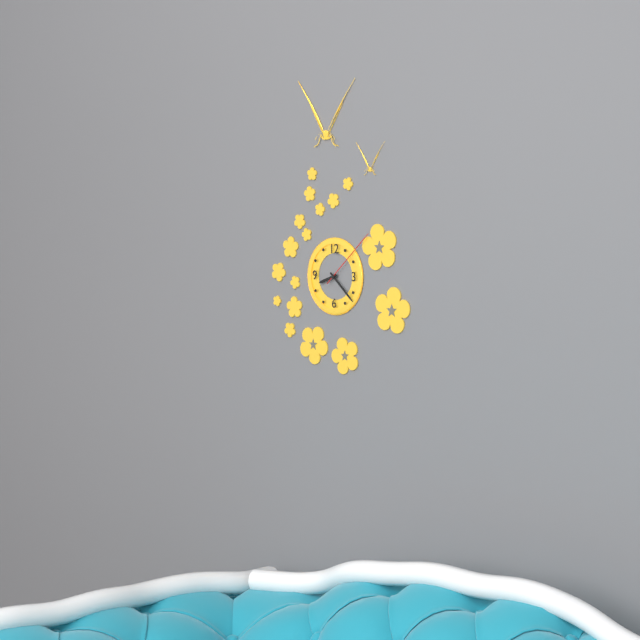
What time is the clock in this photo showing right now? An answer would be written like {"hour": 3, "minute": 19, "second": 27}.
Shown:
{"hour": 8, "minute": 22, "second": 8}
